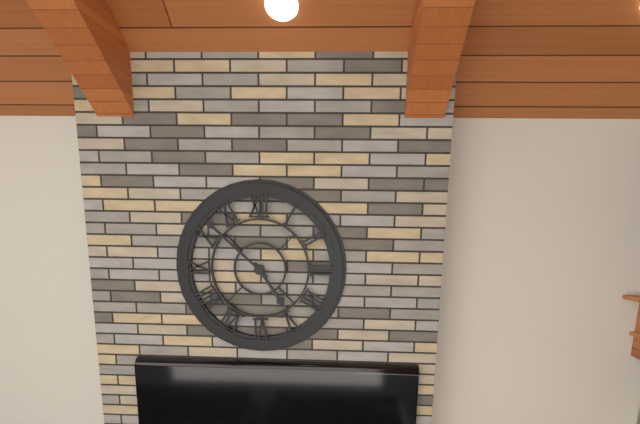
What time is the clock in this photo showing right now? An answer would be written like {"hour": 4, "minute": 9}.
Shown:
{"hour": 4, "minute": 52}
